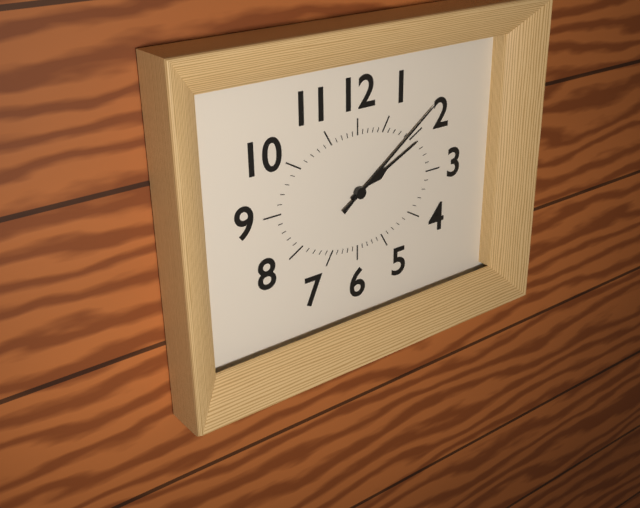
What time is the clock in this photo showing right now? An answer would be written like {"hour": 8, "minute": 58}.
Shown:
{"hour": 2, "minute": 9}
